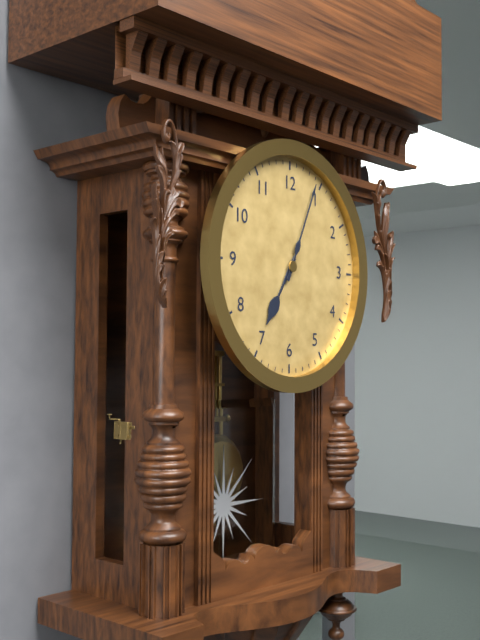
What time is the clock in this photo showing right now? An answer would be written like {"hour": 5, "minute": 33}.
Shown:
{"hour": 7, "minute": 4}
